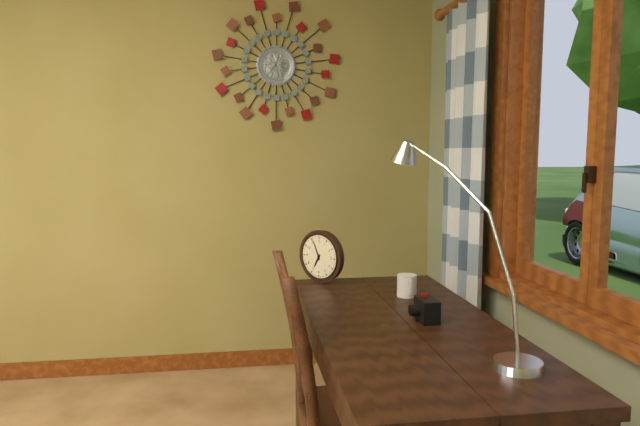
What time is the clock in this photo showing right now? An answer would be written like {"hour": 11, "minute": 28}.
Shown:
{"hour": 6, "minute": 56}
